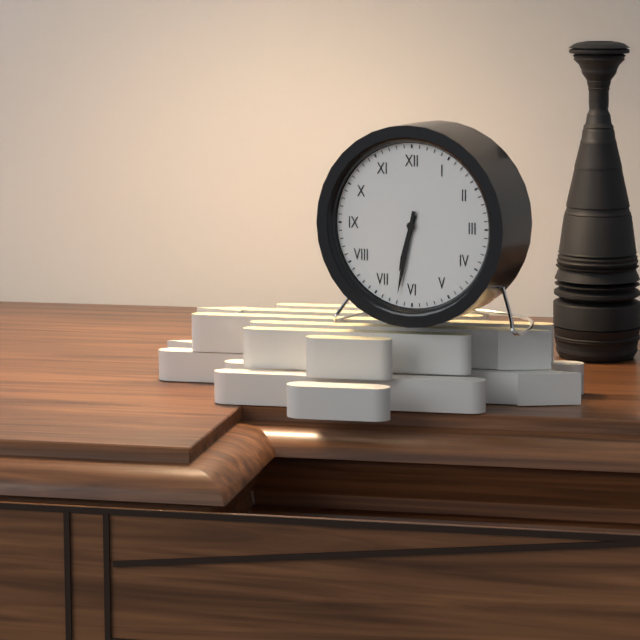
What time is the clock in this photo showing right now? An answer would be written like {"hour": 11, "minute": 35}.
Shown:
{"hour": 6, "minute": 32}
